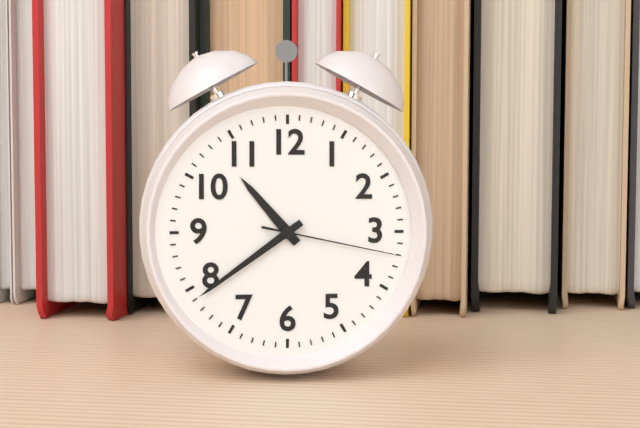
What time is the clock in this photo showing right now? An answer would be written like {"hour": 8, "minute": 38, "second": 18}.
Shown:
{"hour": 10, "minute": 39, "second": 17}
